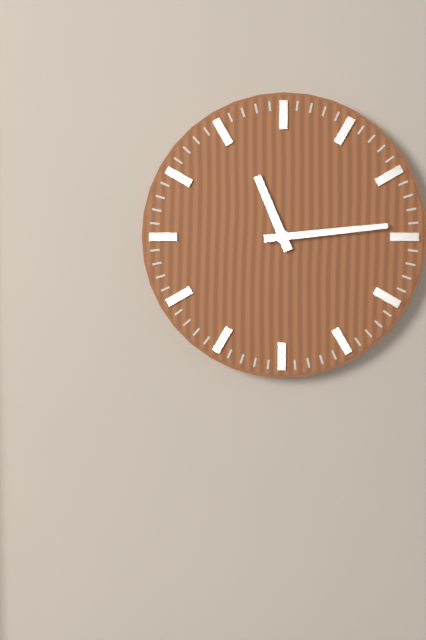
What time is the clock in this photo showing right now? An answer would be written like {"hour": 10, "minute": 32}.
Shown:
{"hour": 11, "minute": 14}
